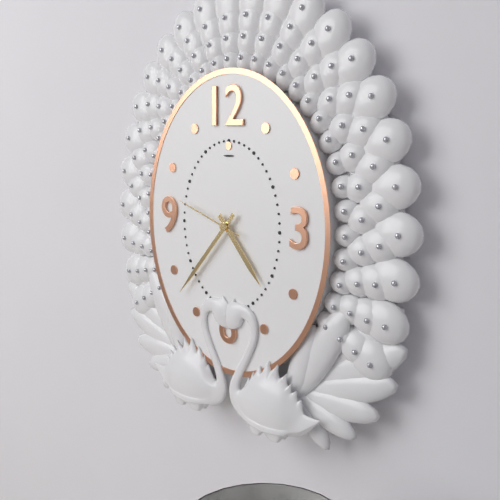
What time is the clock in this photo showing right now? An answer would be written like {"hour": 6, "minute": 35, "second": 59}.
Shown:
{"hour": 4, "minute": 37, "second": 48}
